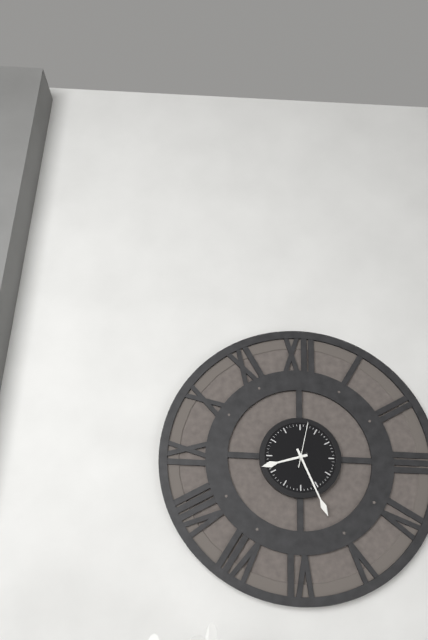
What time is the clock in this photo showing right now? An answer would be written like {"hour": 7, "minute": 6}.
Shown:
{"hour": 8, "minute": 26}
